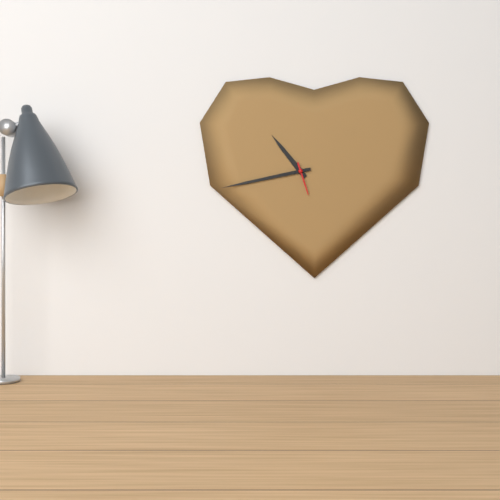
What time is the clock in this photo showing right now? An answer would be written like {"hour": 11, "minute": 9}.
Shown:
{"hour": 10, "minute": 43}
